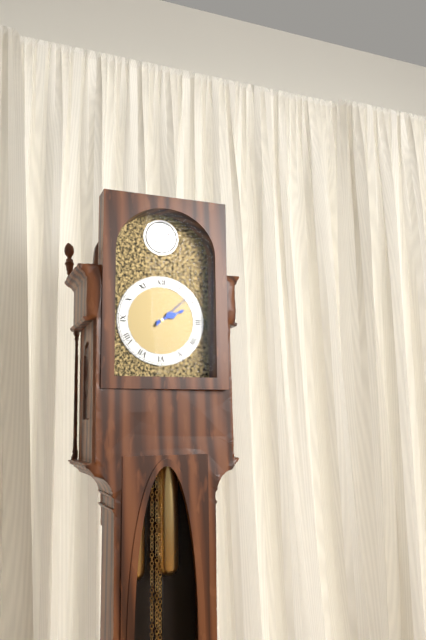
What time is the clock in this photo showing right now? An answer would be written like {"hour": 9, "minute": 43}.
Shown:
{"hour": 2, "minute": 8}
